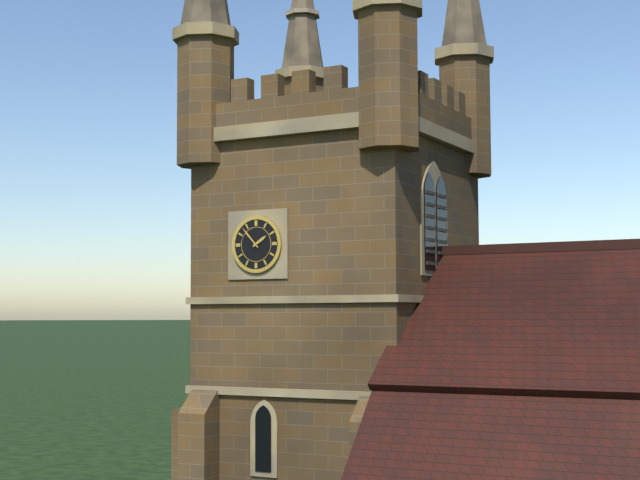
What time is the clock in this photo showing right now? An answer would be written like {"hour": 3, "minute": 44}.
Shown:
{"hour": 1, "minute": 53}
